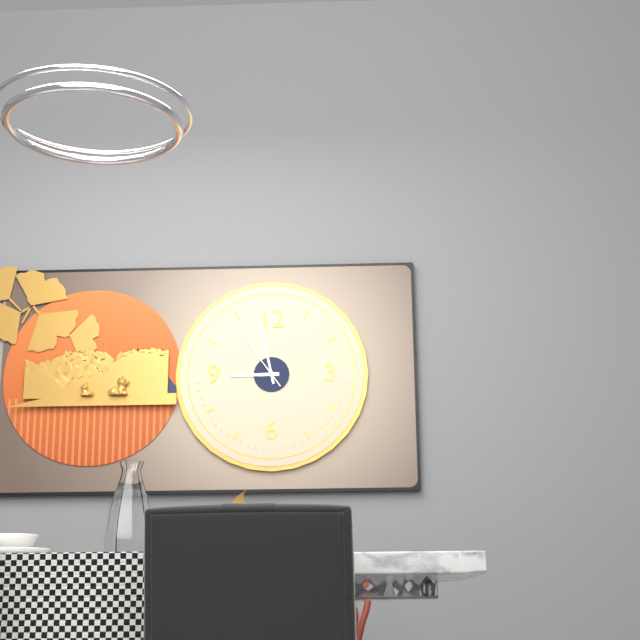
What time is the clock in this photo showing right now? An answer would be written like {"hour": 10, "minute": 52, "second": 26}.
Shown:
{"hour": 8, "minute": 58, "second": 54}
